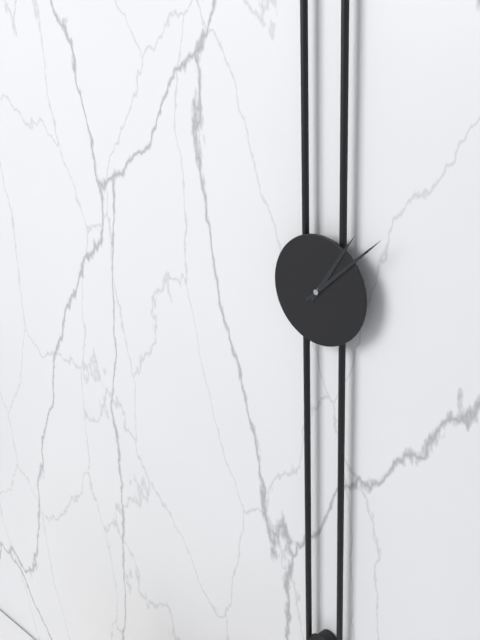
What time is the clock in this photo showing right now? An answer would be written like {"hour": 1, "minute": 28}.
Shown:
{"hour": 1, "minute": 8}
